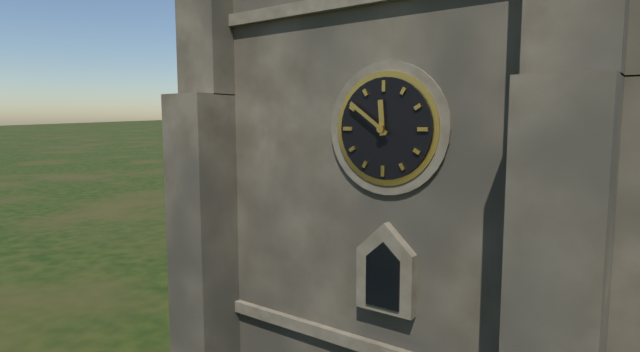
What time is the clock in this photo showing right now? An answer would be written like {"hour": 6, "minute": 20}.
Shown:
{"hour": 11, "minute": 51}
